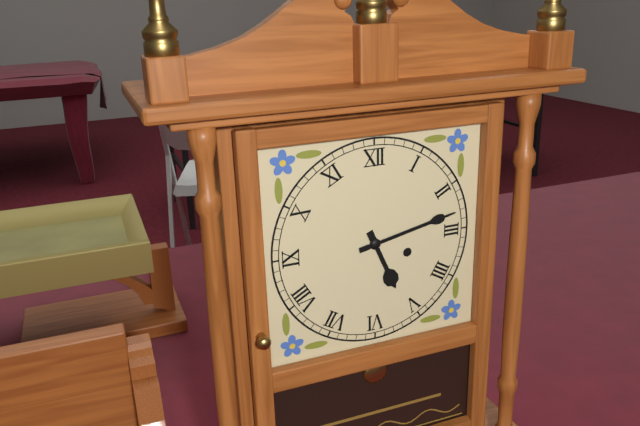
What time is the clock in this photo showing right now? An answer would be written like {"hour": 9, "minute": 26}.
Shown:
{"hour": 5, "minute": 13}
